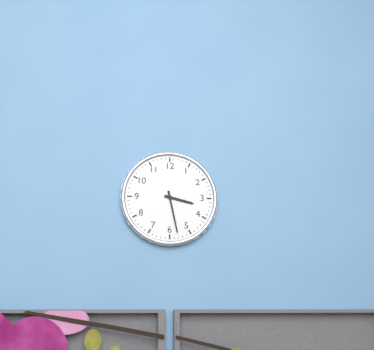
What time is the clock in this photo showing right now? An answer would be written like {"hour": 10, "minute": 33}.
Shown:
{"hour": 3, "minute": 28}
